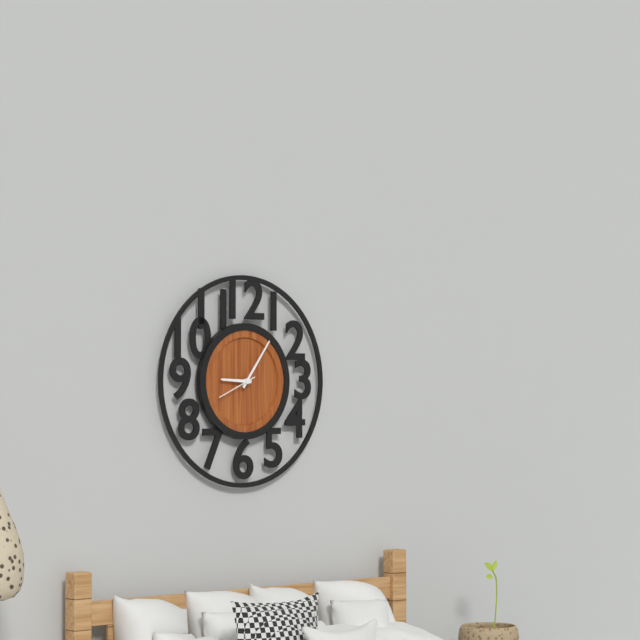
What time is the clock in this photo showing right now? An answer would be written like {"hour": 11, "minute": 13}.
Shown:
{"hour": 9, "minute": 6}
